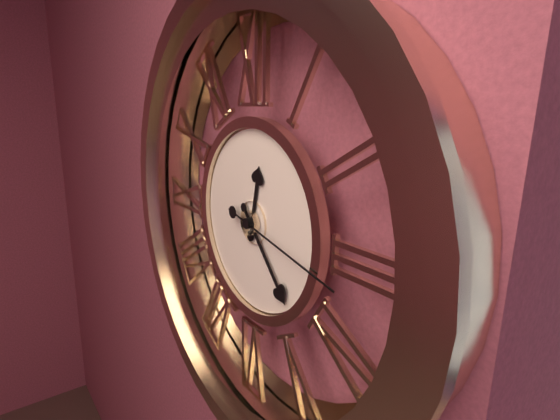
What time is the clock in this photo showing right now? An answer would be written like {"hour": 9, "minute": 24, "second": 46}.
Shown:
{"hour": 12, "minute": 23, "second": 17}
